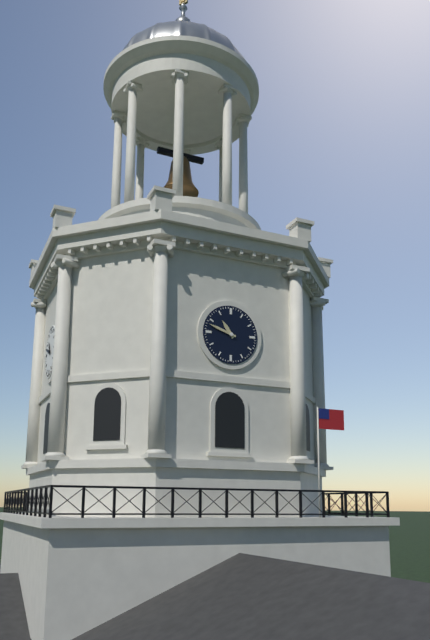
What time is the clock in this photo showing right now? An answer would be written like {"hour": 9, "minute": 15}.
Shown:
{"hour": 10, "minute": 48}
